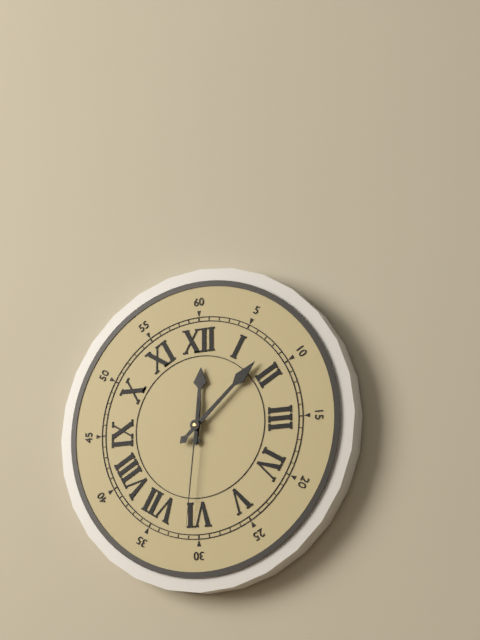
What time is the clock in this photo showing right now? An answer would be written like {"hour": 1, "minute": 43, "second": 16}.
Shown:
{"hour": 12, "minute": 8, "second": 31}
